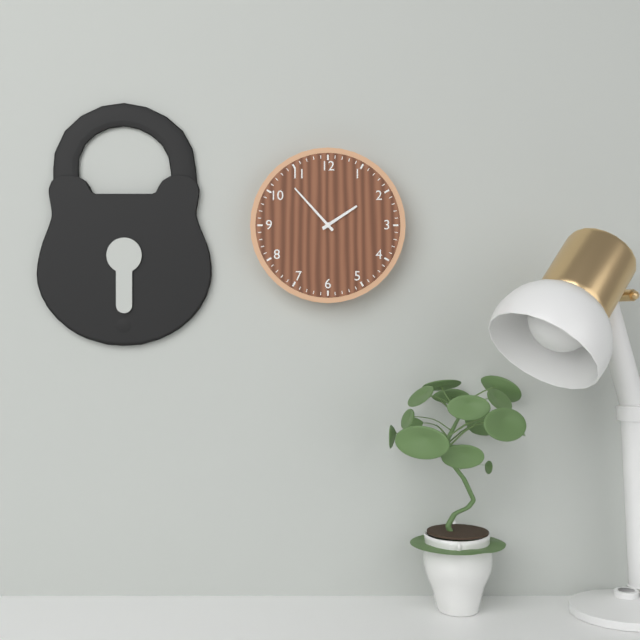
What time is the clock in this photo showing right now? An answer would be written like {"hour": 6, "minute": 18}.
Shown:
{"hour": 1, "minute": 53}
